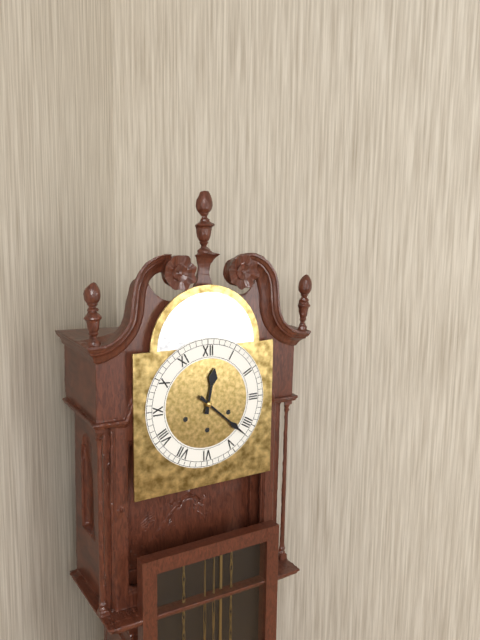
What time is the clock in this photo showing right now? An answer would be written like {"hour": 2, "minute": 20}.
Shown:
{"hour": 12, "minute": 22}
